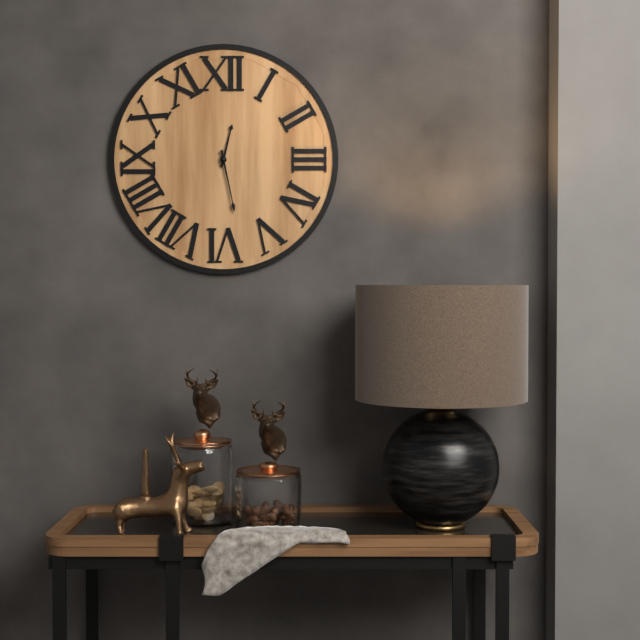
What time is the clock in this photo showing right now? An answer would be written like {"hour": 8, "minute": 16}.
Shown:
{"hour": 12, "minute": 28}
